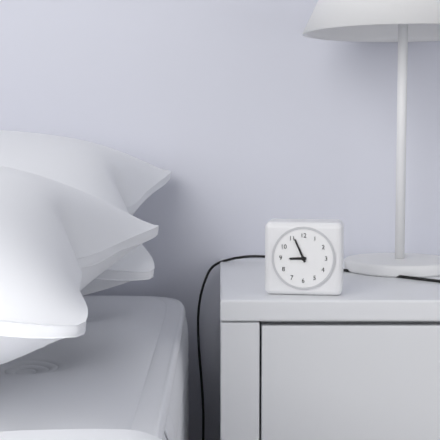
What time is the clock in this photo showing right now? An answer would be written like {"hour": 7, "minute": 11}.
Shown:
{"hour": 8, "minute": 56}
